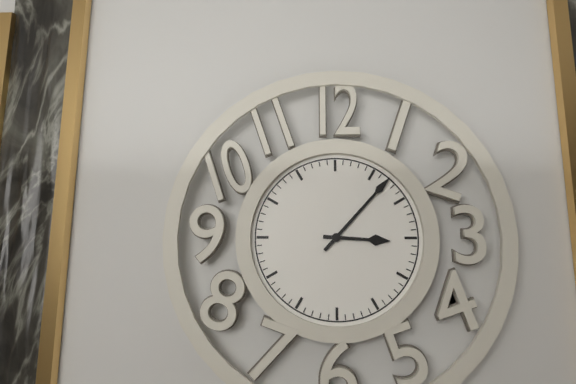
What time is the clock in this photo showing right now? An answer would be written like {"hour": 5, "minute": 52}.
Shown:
{"hour": 3, "minute": 7}
